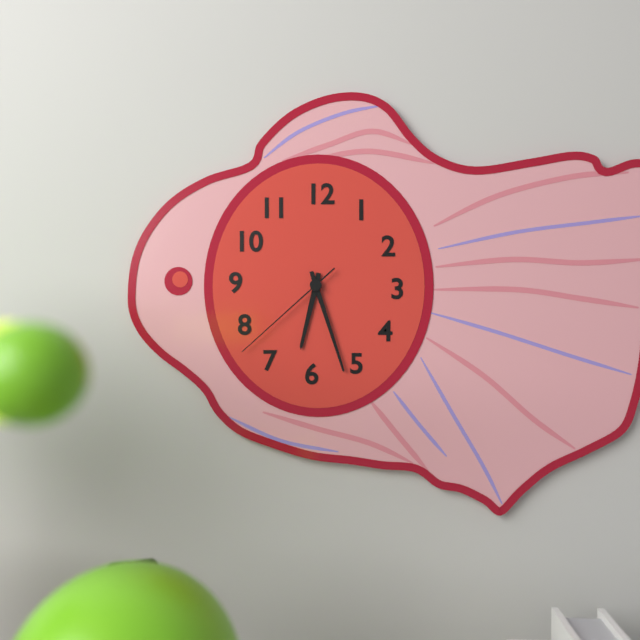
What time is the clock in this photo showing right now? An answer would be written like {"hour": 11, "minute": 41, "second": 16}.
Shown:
{"hour": 6, "minute": 27, "second": 38}
